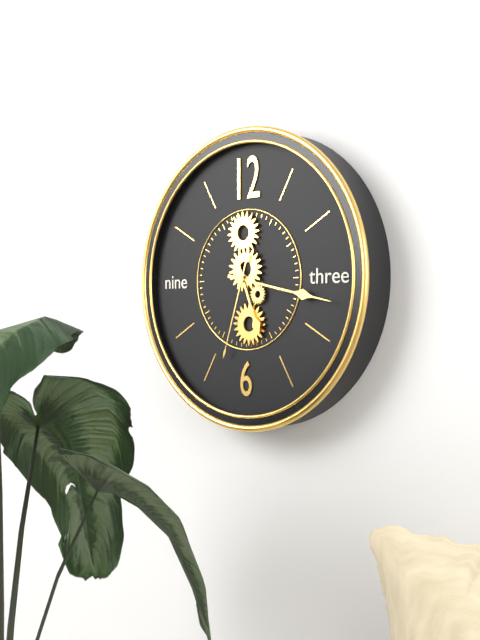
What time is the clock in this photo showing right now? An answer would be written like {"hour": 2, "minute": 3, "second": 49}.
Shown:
{"hour": 5, "minute": 17, "second": 33}
